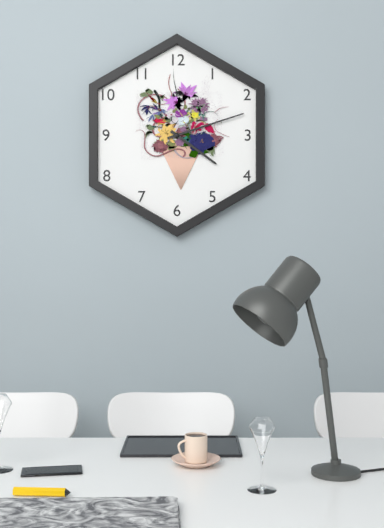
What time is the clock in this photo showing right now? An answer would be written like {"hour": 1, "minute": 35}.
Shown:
{"hour": 4, "minute": 12}
